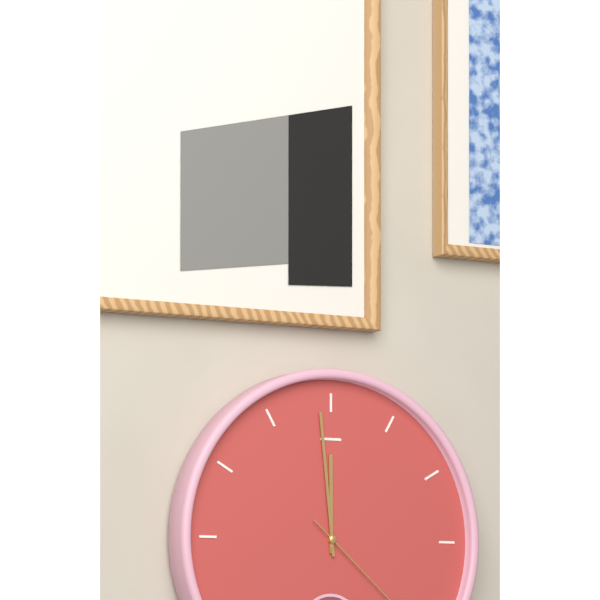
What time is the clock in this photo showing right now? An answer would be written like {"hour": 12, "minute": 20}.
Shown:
{"hour": 11, "minute": 59}
